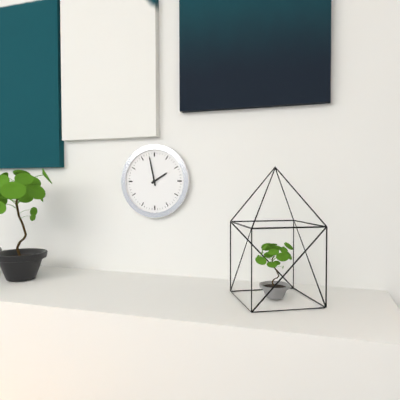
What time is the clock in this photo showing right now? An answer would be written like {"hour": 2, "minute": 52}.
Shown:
{"hour": 1, "minute": 58}
